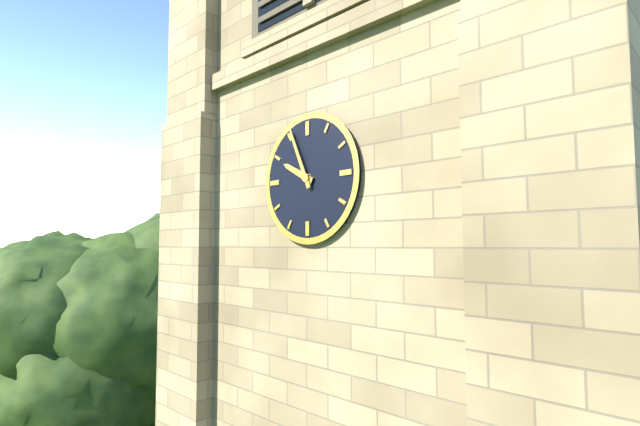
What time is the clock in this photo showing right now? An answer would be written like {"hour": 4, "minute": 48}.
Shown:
{"hour": 9, "minute": 56}
